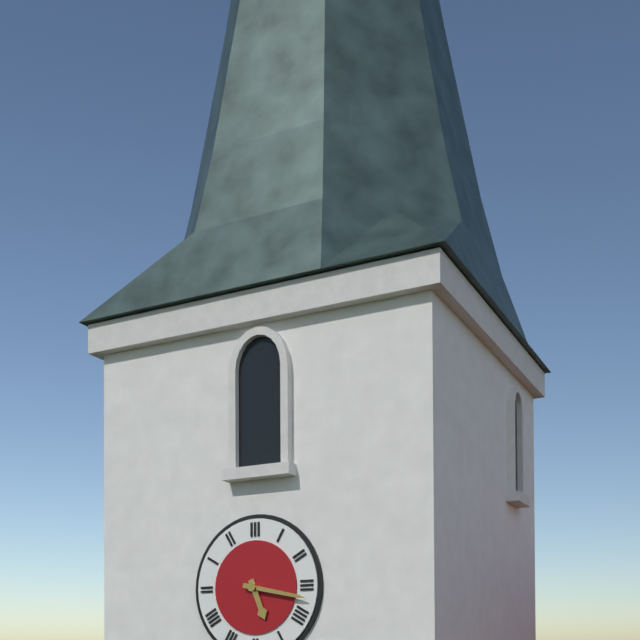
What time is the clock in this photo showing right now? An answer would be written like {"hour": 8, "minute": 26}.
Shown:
{"hour": 5, "minute": 17}
